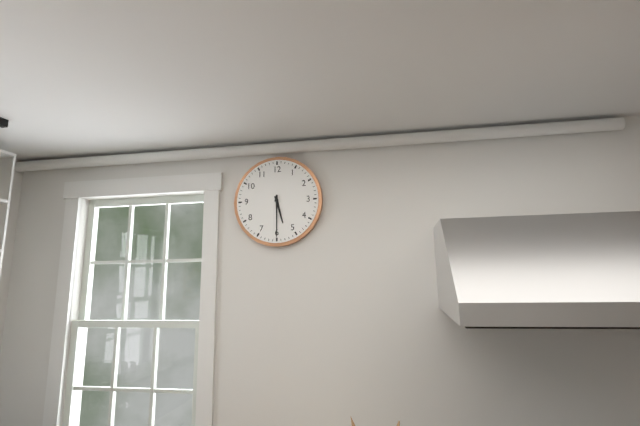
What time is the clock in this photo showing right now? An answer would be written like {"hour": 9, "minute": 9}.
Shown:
{"hour": 5, "minute": 30}
